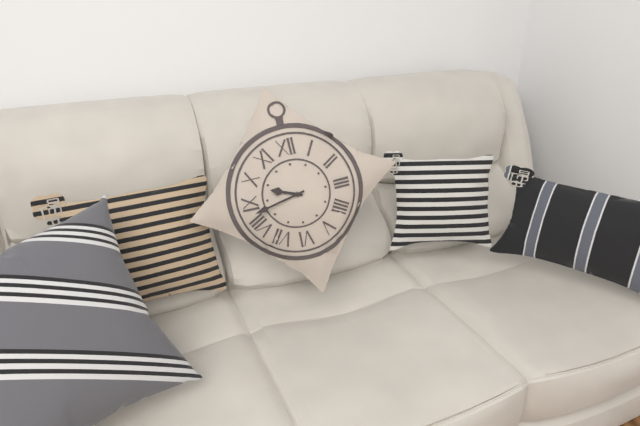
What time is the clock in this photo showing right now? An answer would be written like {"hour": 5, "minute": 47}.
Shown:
{"hour": 9, "minute": 43}
